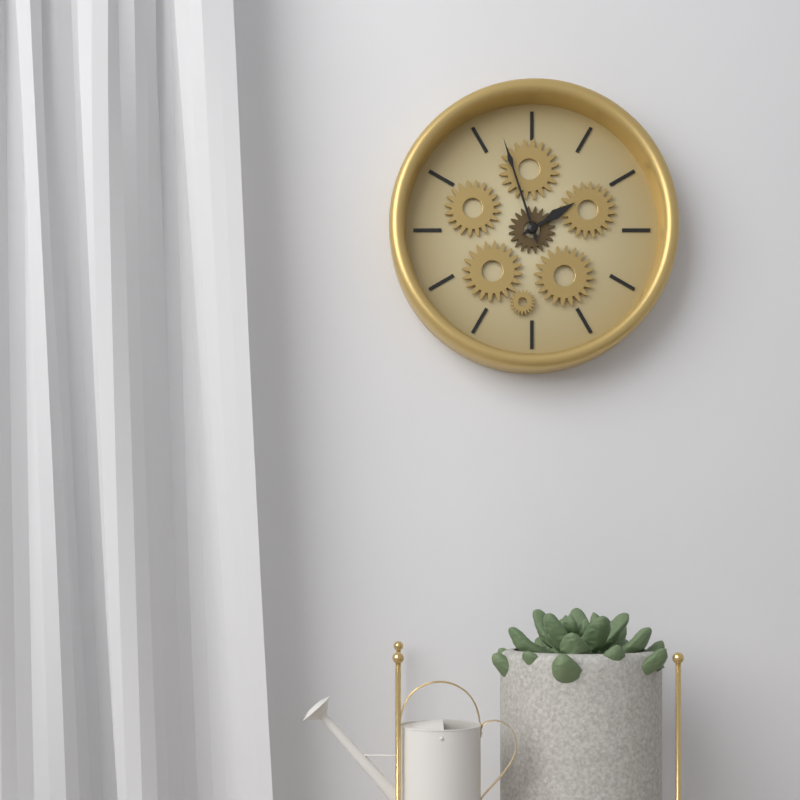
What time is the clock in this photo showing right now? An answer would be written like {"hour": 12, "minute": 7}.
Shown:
{"hour": 1, "minute": 57}
